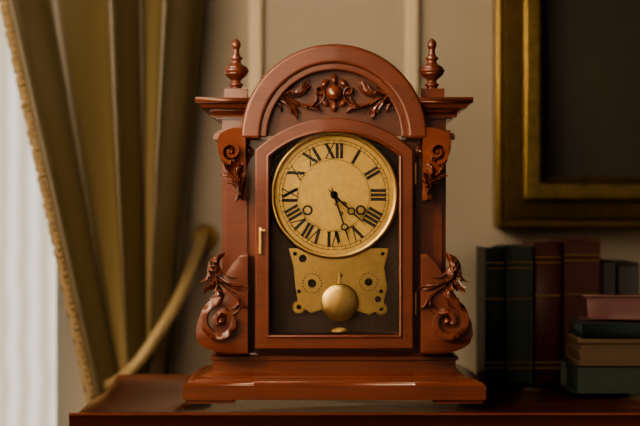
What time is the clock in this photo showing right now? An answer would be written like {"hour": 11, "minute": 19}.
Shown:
{"hour": 4, "minute": 27}
